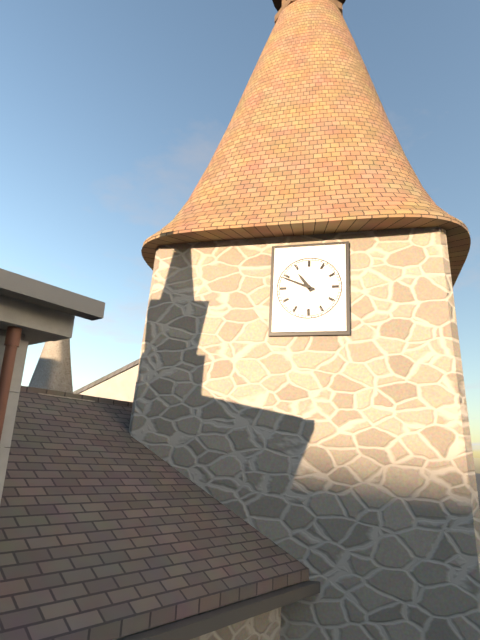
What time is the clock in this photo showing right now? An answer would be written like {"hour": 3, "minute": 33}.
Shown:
{"hour": 10, "minute": 49}
